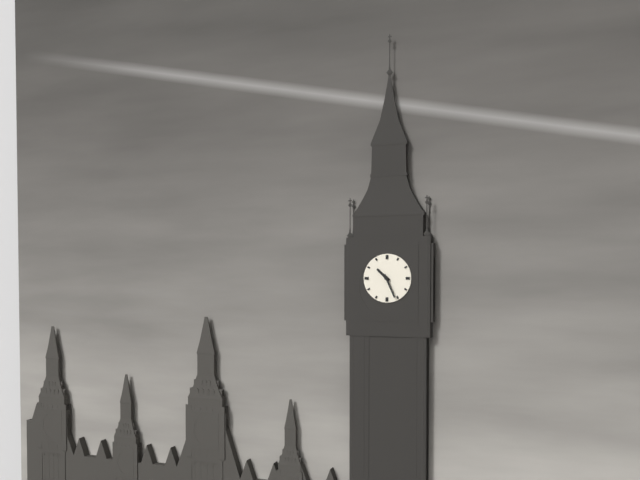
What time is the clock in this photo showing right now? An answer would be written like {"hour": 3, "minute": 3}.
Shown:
{"hour": 10, "minute": 26}
